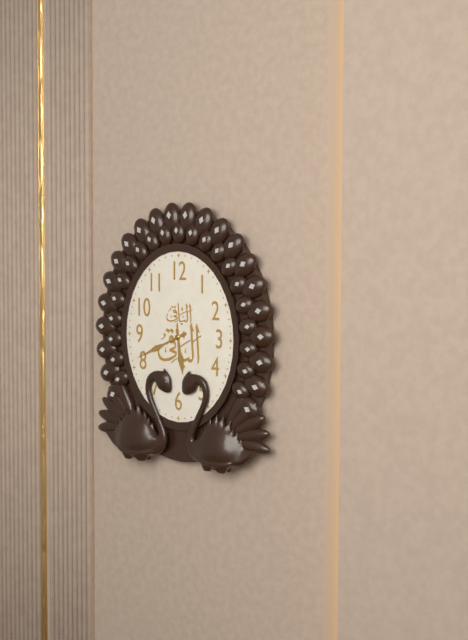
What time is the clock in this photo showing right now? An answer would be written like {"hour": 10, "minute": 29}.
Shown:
{"hour": 5, "minute": 41}
